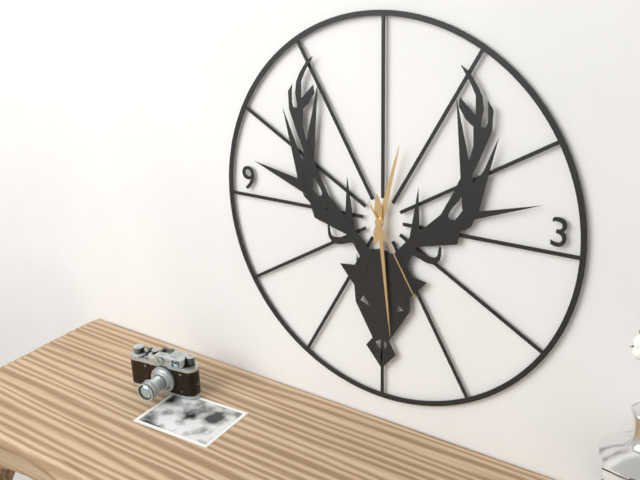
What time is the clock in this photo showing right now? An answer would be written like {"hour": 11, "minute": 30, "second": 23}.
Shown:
{"hour": 12, "minute": 29, "second": 25}
